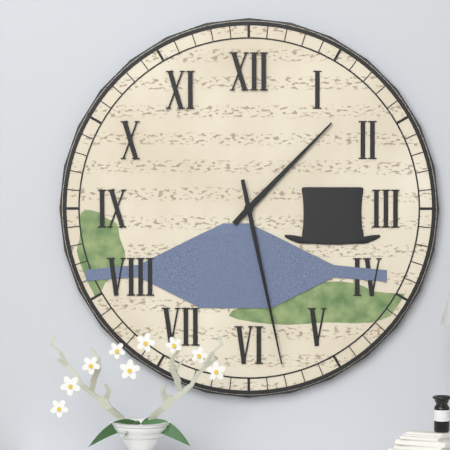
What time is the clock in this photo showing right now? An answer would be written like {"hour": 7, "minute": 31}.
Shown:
{"hour": 1, "minute": 28}
